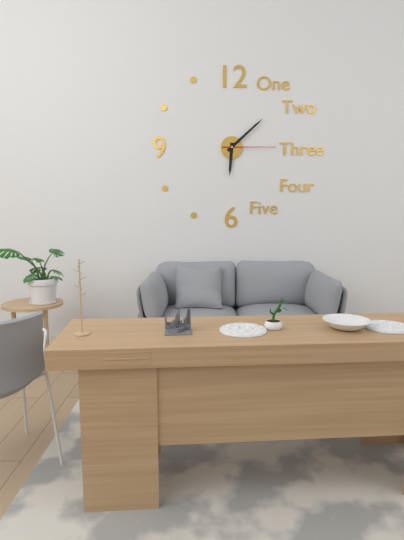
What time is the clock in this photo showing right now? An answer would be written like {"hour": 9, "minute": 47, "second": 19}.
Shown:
{"hour": 6, "minute": 8, "second": 15}
